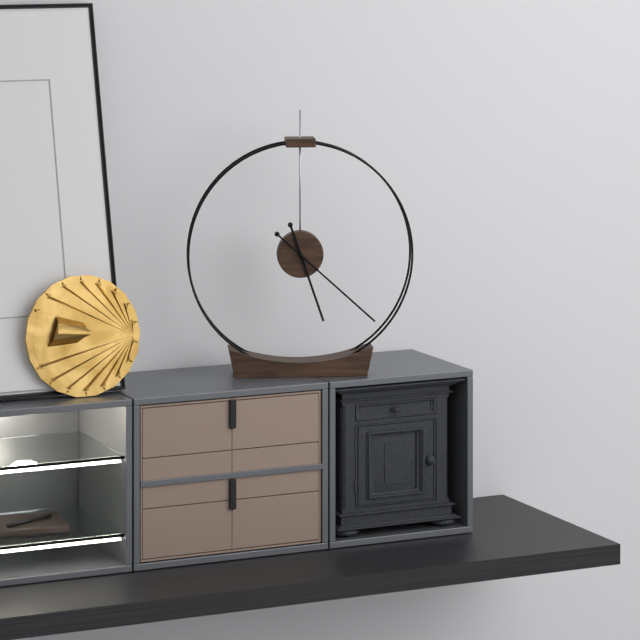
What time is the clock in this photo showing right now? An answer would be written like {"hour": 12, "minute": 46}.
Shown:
{"hour": 5, "minute": 22}
